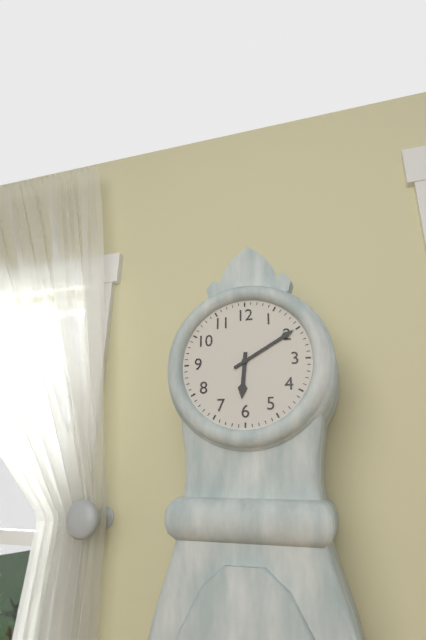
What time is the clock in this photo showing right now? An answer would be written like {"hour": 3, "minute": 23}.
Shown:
{"hour": 6, "minute": 10}
